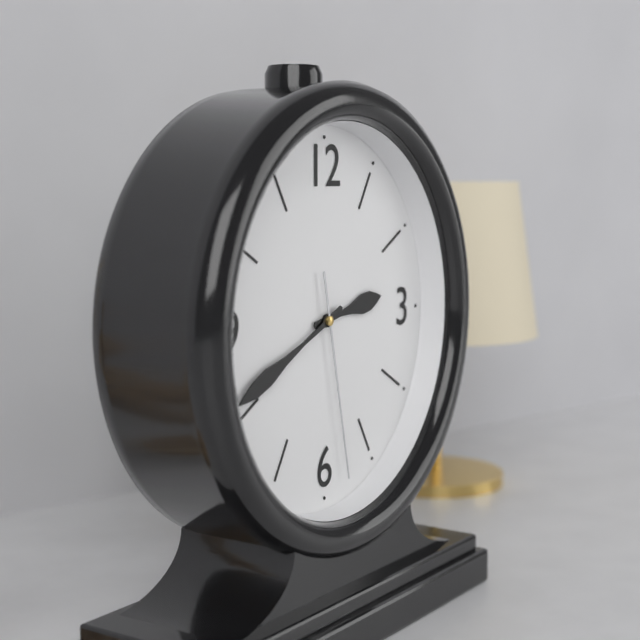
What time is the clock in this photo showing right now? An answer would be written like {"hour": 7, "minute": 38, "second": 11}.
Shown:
{"hour": 2, "minute": 41, "second": 28}
